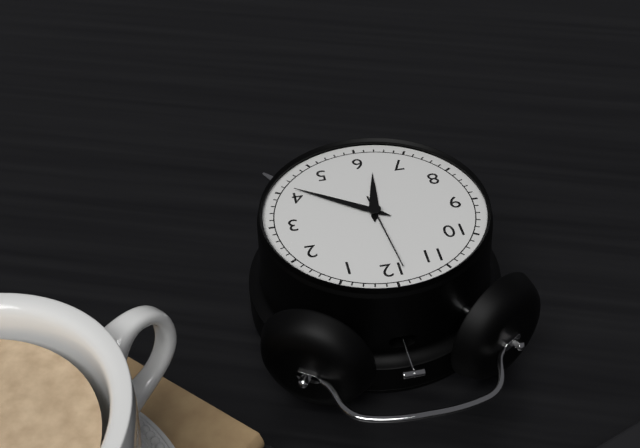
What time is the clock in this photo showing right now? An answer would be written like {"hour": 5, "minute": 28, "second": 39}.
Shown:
{"hour": 6, "minute": 21, "second": 59}
